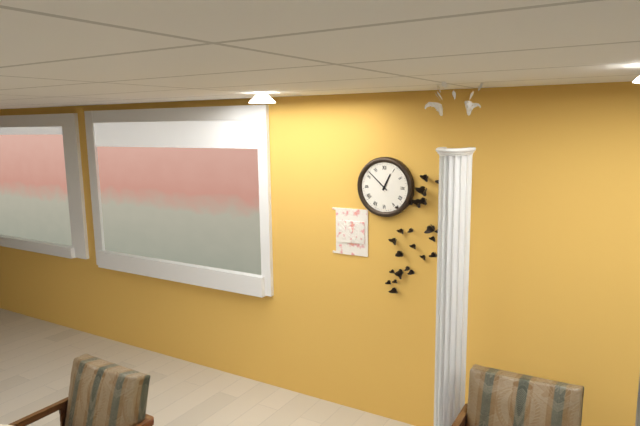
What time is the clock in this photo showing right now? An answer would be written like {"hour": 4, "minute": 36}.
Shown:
{"hour": 12, "minute": 52}
